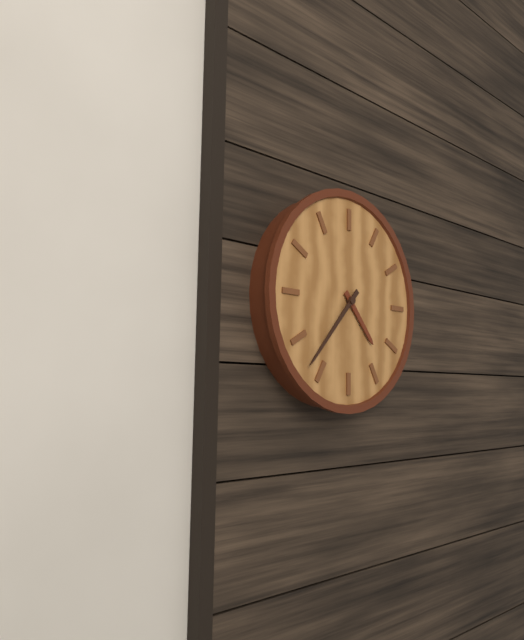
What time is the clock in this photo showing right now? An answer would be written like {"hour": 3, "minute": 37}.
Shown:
{"hour": 4, "minute": 37}
